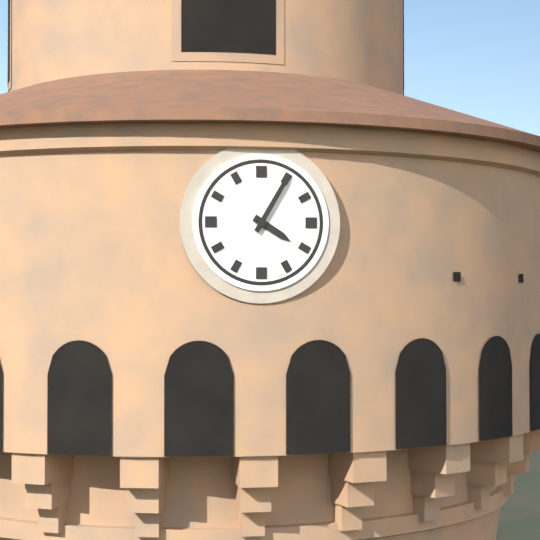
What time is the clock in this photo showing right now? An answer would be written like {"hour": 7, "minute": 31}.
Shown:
{"hour": 4, "minute": 5}
